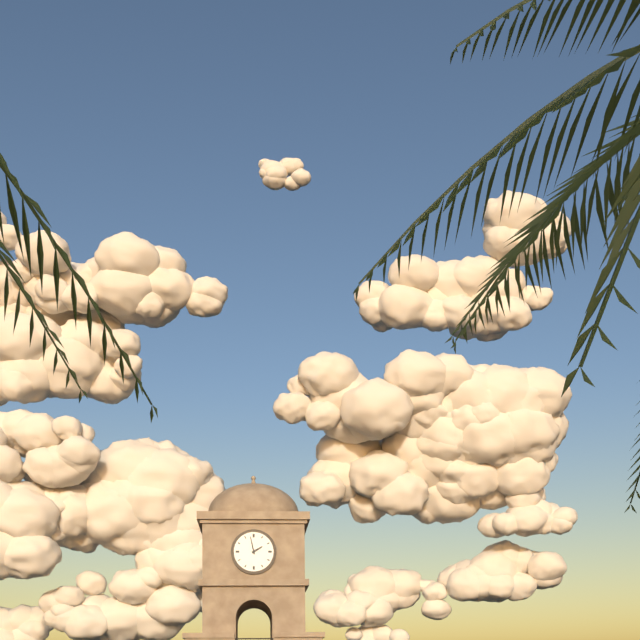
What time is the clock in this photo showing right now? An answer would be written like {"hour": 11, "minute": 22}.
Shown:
{"hour": 1, "minute": 58}
